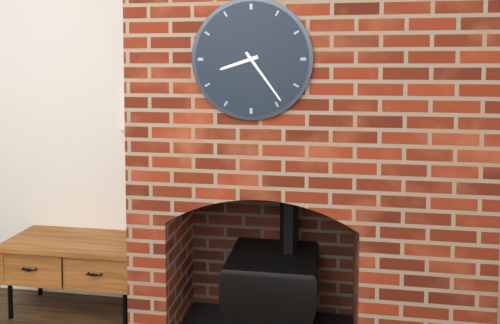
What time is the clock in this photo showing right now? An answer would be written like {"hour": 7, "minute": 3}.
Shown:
{"hour": 8, "minute": 24}
